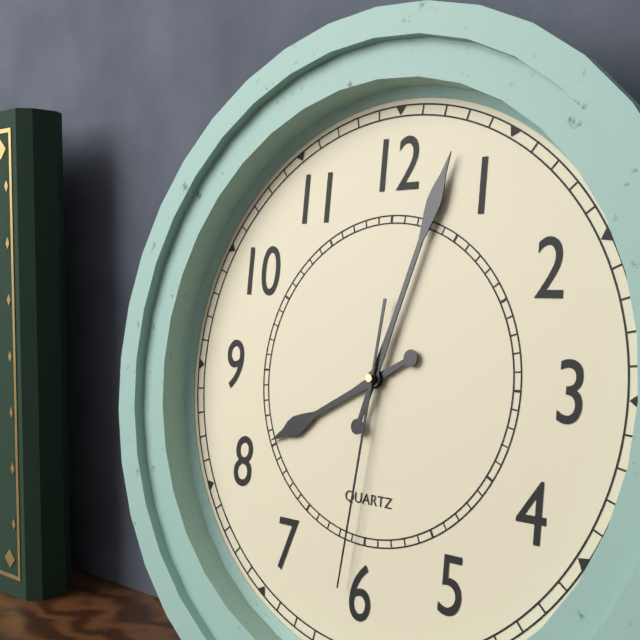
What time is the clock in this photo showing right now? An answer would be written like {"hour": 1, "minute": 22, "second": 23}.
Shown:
{"hour": 8, "minute": 3, "second": 31}
